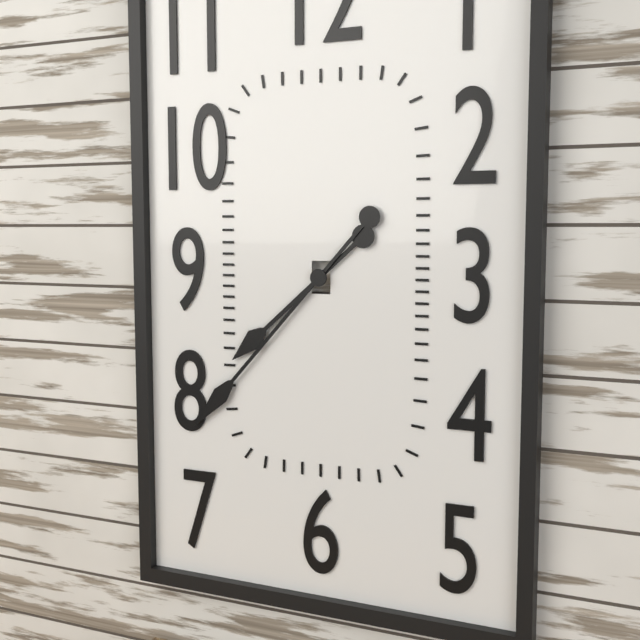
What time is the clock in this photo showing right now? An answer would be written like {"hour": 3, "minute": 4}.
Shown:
{"hour": 7, "minute": 37}
